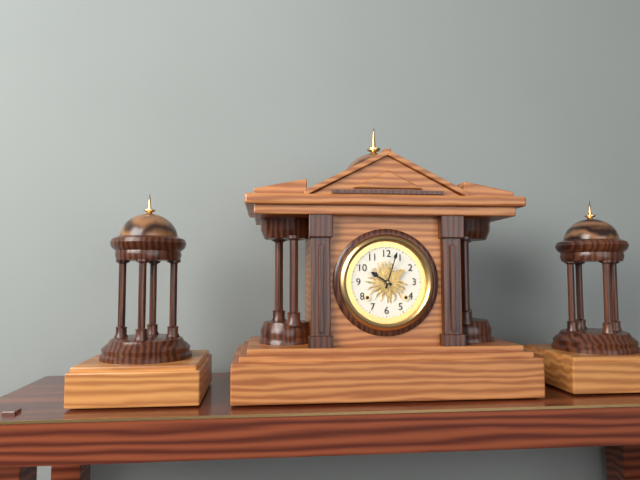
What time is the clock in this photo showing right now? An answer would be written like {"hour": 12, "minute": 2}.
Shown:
{"hour": 10, "minute": 3}
